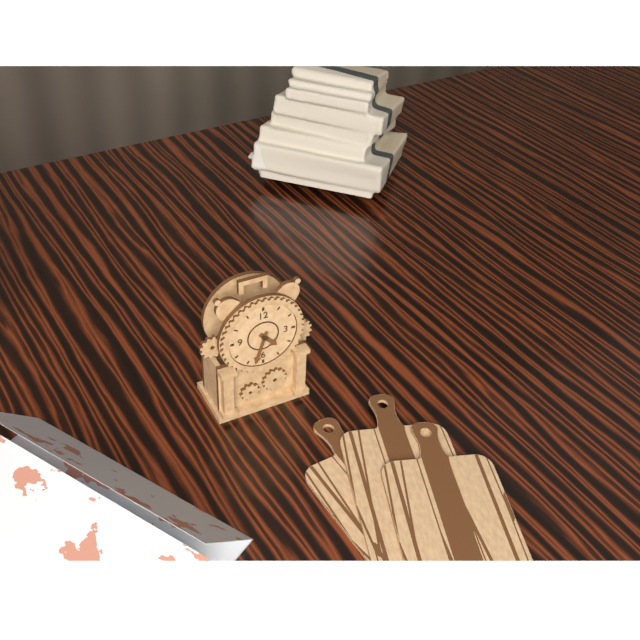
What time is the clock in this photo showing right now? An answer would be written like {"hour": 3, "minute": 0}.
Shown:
{"hour": 4, "minute": 33}
